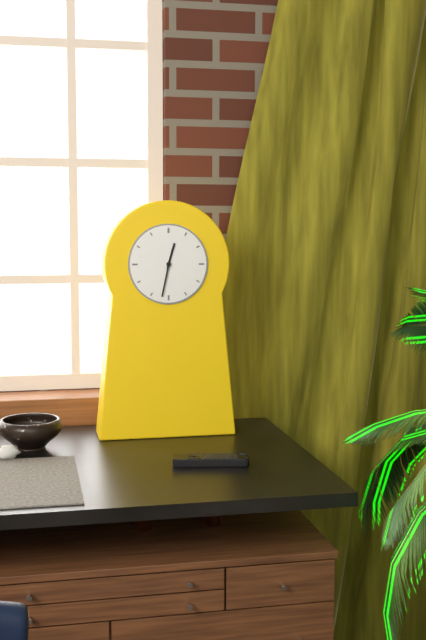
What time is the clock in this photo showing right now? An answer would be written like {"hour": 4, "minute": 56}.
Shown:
{"hour": 12, "minute": 32}
